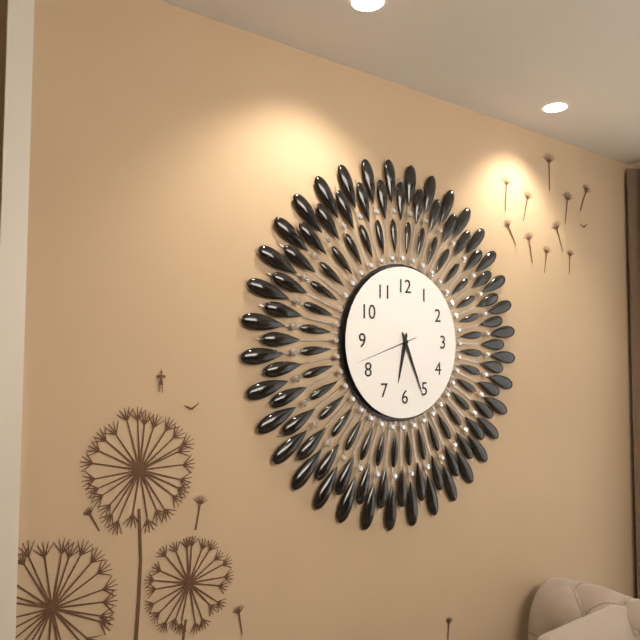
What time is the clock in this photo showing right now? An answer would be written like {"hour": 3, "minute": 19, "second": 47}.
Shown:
{"hour": 6, "minute": 26, "second": 42}
